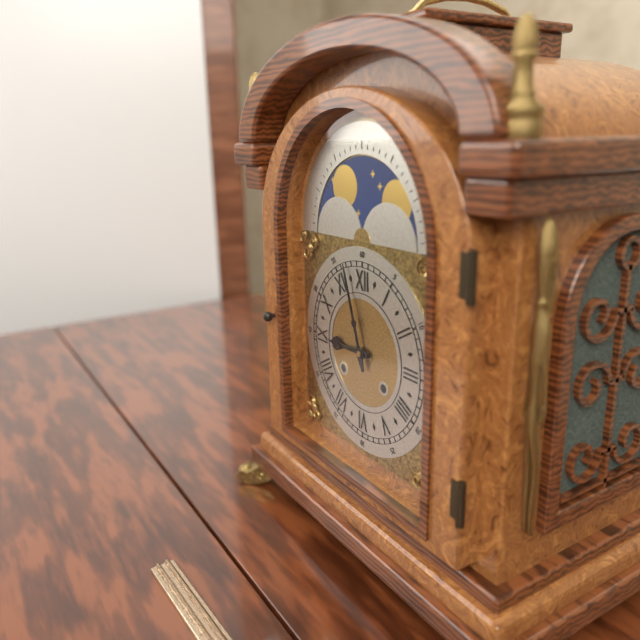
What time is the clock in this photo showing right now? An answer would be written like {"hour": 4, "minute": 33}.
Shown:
{"hour": 8, "minute": 57}
